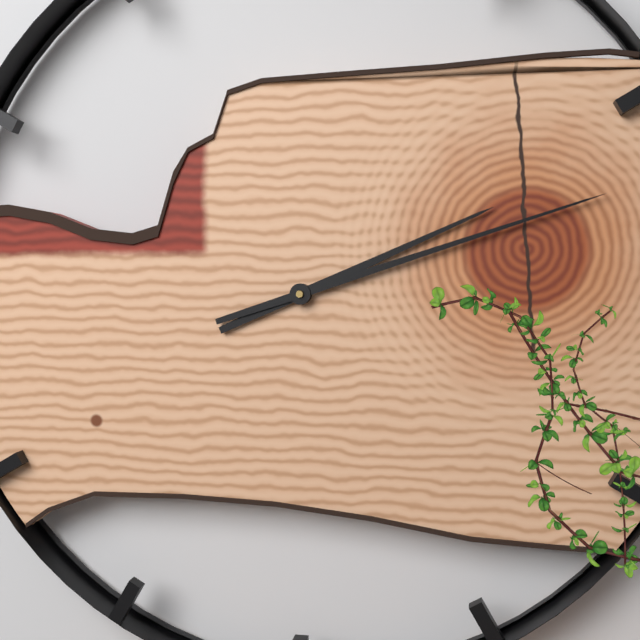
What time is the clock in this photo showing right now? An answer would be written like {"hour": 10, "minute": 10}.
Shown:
{"hour": 2, "minute": 12}
